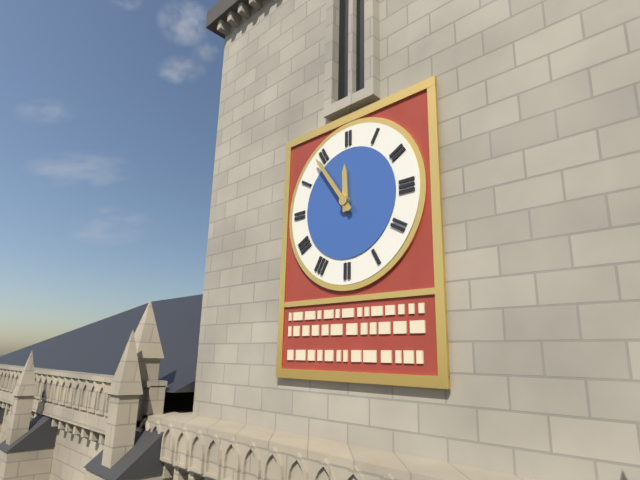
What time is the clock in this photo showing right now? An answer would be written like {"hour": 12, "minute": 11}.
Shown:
{"hour": 11, "minute": 54}
